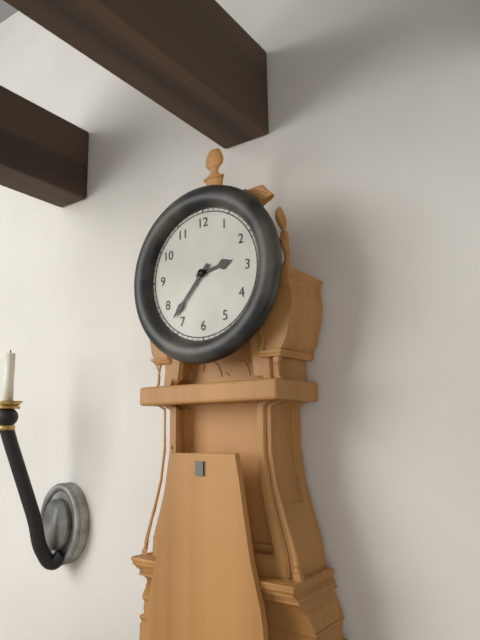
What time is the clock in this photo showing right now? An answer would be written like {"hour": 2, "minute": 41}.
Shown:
{"hour": 2, "minute": 37}
